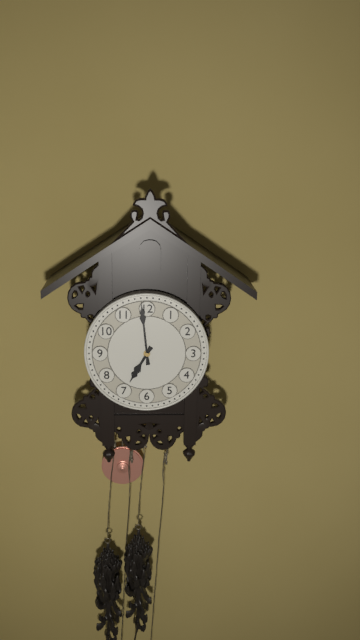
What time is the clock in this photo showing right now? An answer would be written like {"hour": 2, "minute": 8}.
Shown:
{"hour": 6, "minute": 59}
